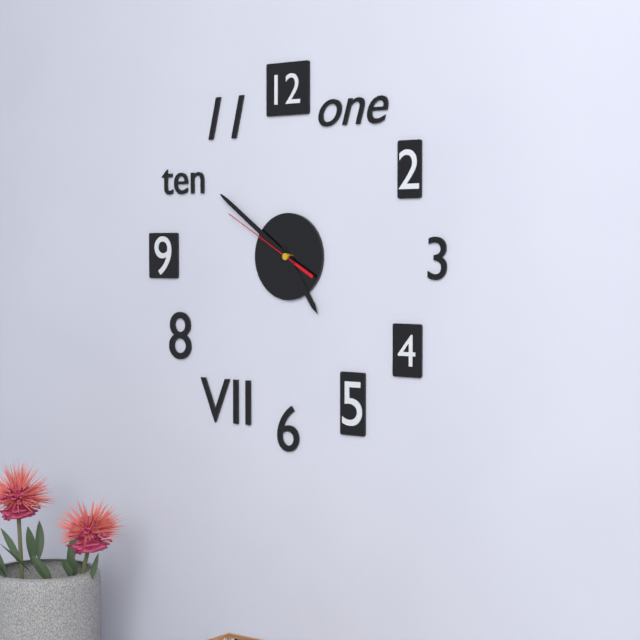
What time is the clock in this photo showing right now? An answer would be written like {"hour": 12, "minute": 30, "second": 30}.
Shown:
{"hour": 4, "minute": 51, "second": 50}
